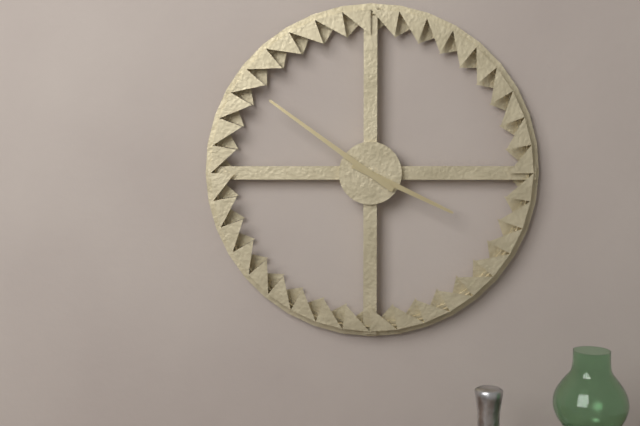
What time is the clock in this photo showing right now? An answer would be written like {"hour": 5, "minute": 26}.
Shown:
{"hour": 3, "minute": 51}
